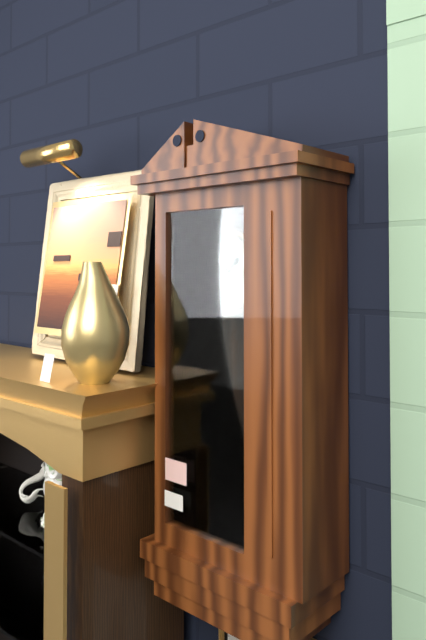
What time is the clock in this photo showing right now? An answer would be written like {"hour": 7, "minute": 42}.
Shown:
{"hour": 1, "minute": 30}
